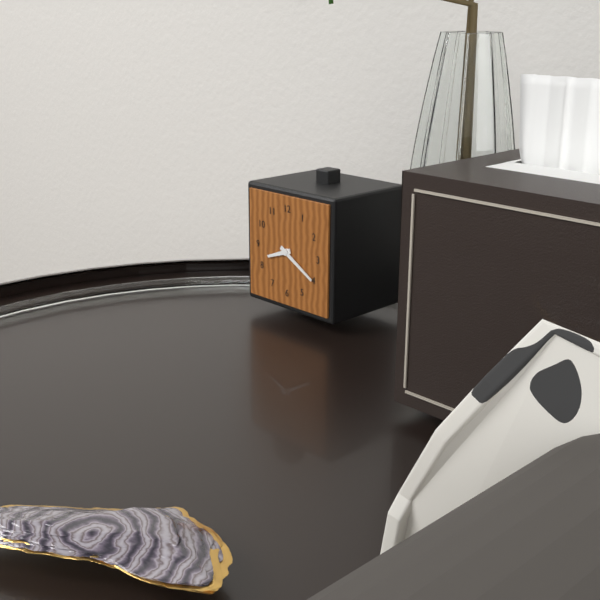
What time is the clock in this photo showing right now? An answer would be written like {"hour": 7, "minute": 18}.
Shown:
{"hour": 8, "minute": 20}
